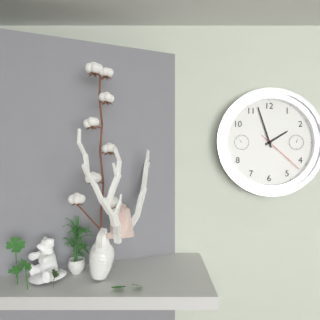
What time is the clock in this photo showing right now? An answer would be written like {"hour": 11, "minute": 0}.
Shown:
{"hour": 1, "minute": 57}
